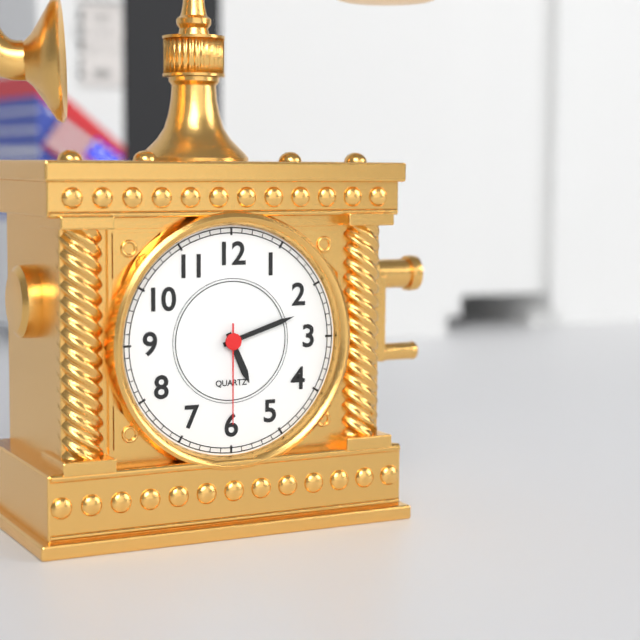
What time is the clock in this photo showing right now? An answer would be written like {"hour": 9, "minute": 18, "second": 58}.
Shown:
{"hour": 5, "minute": 12, "second": 30}
